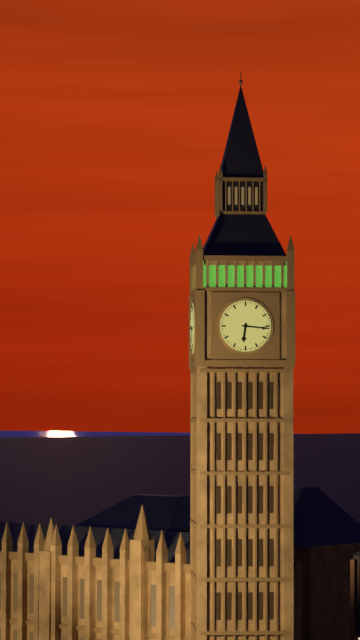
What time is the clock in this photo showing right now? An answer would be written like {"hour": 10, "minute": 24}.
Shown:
{"hour": 6, "minute": 16}
